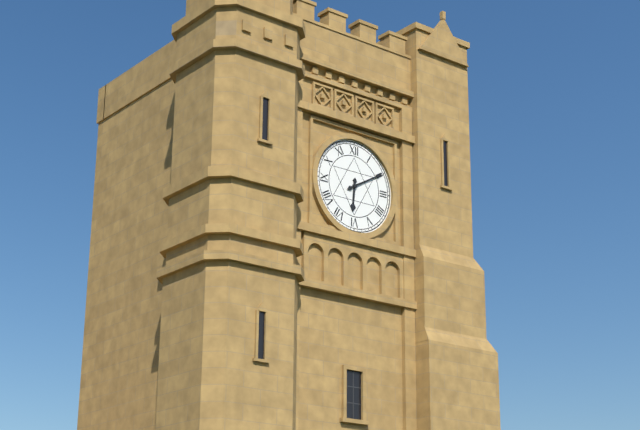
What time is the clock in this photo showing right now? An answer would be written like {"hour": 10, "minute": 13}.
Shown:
{"hour": 6, "minute": 10}
